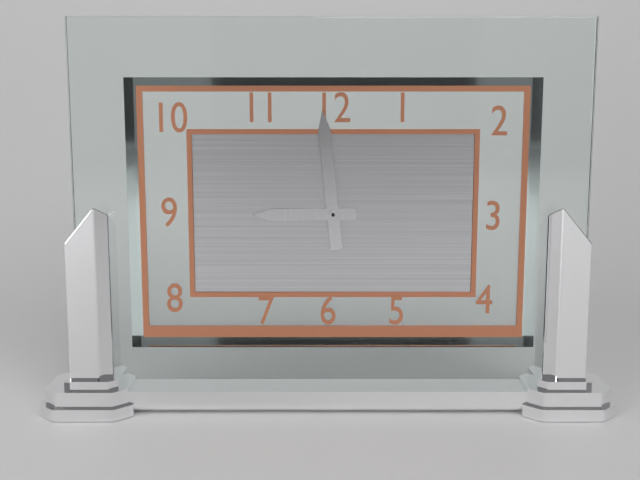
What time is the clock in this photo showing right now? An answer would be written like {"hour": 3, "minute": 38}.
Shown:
{"hour": 8, "minute": 59}
